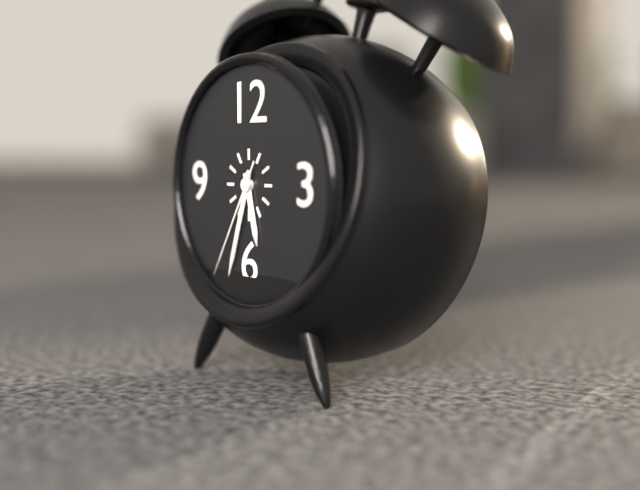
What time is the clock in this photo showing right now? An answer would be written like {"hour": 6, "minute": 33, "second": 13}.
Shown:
{"hour": 5, "minute": 33, "second": 35}
